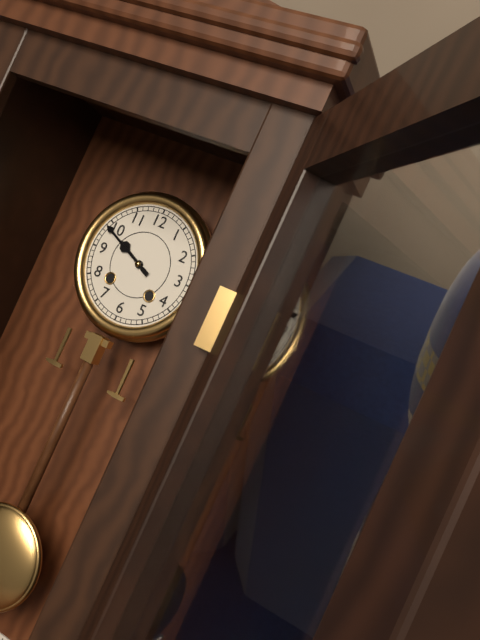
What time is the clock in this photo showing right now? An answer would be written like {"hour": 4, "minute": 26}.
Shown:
{"hour": 9, "minute": 49}
